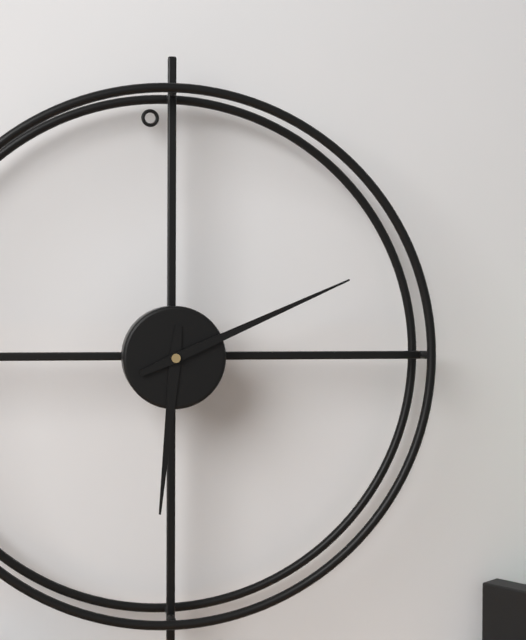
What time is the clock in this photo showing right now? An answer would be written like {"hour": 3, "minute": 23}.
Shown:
{"hour": 6, "minute": 11}
